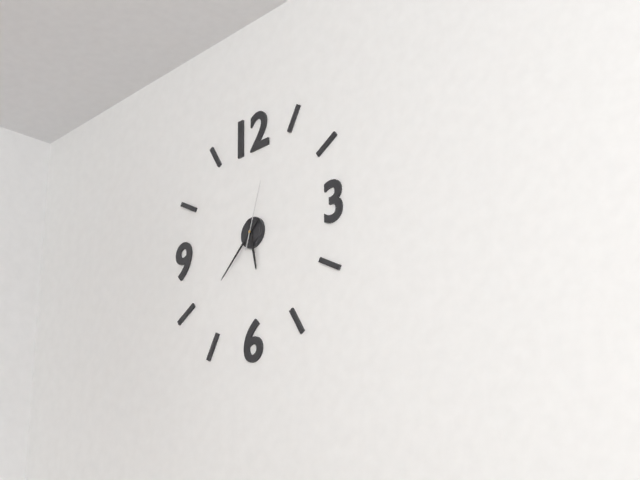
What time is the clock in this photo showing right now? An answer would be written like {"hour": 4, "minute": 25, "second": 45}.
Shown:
{"hour": 5, "minute": 38, "second": 3}
